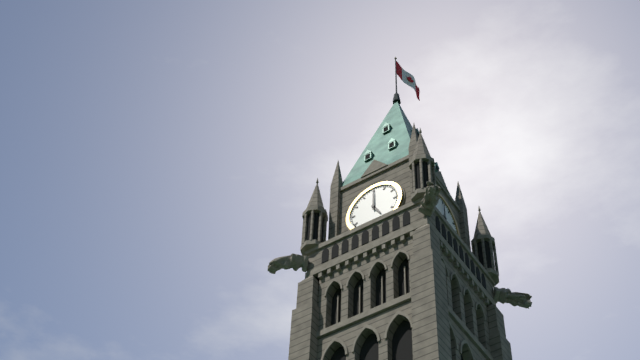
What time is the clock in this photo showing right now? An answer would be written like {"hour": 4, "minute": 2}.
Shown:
{"hour": 5, "minute": 0}
